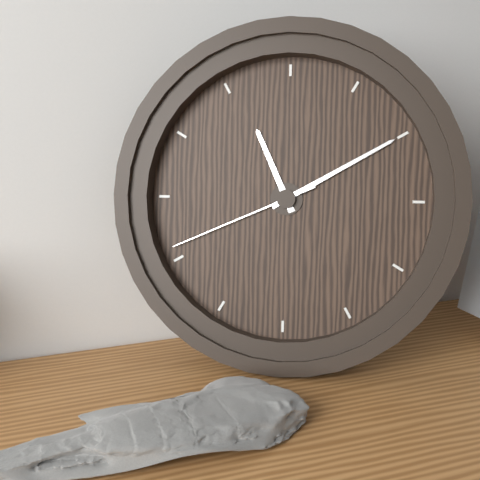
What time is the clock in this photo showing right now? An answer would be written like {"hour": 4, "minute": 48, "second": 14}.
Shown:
{"hour": 11, "minute": 10, "second": 41}
